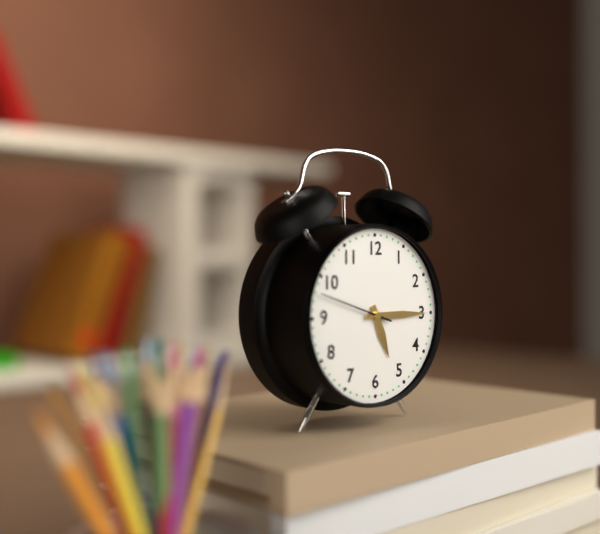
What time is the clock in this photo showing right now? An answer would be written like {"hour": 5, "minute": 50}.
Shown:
{"hour": 5, "minute": 15}
